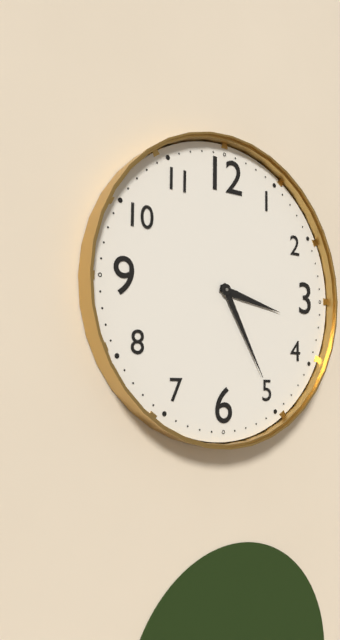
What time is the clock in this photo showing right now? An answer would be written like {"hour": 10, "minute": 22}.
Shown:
{"hour": 3, "minute": 25}
